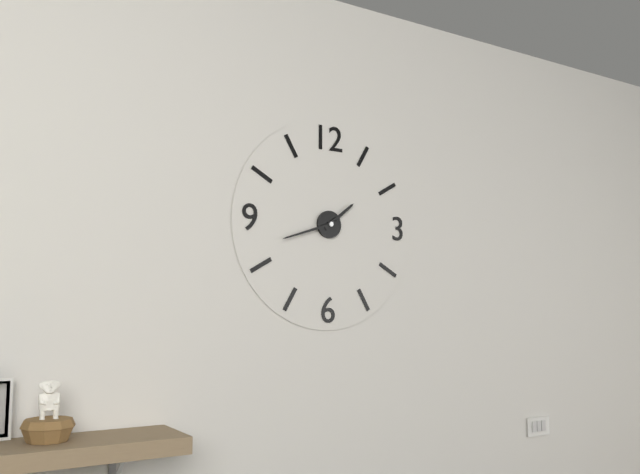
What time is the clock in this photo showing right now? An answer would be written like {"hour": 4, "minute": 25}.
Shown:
{"hour": 1, "minute": 42}
